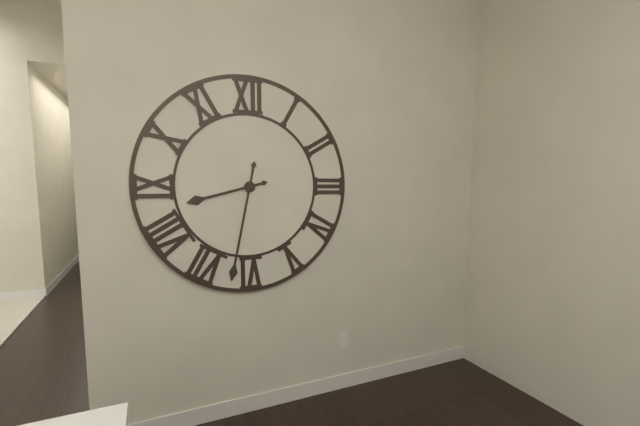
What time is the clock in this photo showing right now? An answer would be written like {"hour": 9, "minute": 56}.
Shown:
{"hour": 8, "minute": 32}
